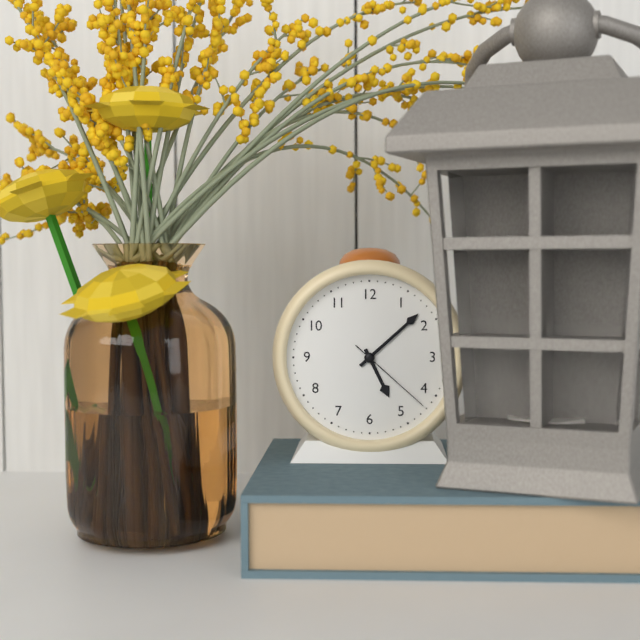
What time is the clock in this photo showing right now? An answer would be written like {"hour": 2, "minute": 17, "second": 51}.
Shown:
{"hour": 5, "minute": 8, "second": 22}
